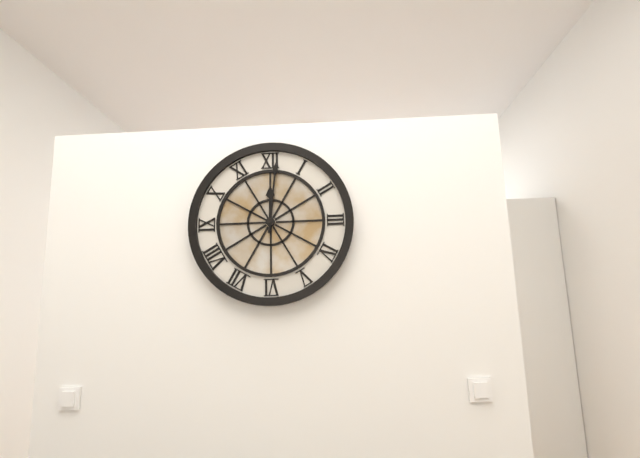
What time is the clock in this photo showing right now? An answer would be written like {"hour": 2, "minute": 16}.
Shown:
{"hour": 12, "minute": 1}
